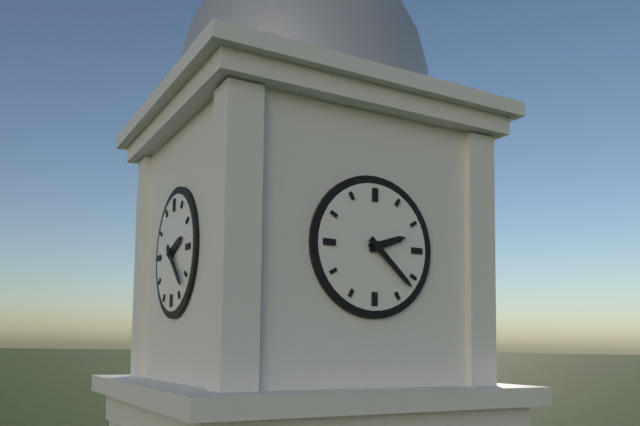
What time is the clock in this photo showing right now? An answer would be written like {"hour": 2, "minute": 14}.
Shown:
{"hour": 2, "minute": 22}
